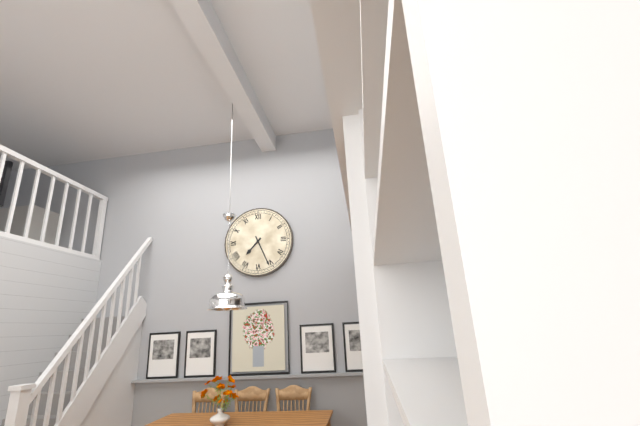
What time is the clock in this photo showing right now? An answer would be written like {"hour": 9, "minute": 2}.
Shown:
{"hour": 7, "minute": 26}
